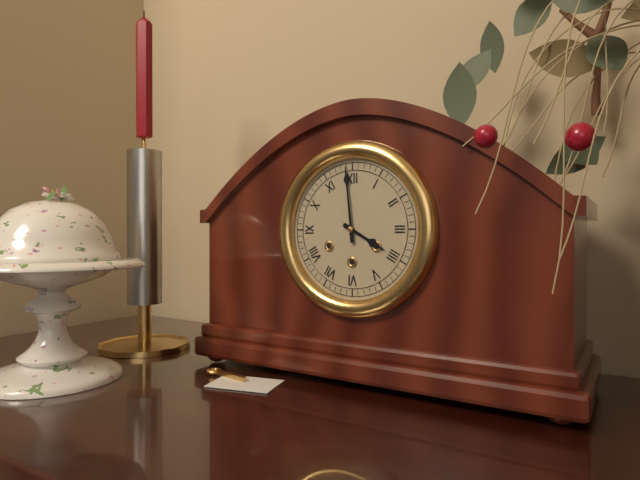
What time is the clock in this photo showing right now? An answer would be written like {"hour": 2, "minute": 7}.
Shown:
{"hour": 3, "minute": 59}
